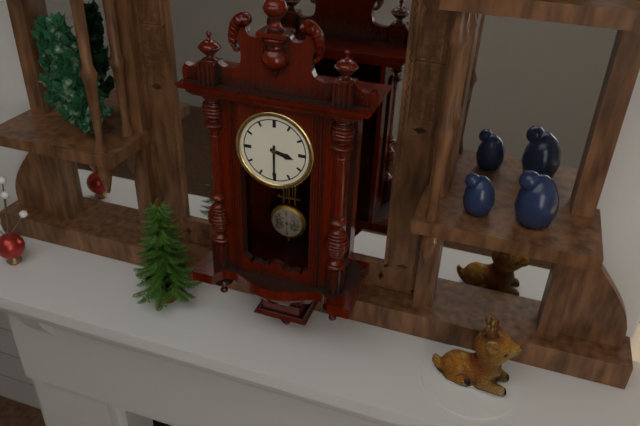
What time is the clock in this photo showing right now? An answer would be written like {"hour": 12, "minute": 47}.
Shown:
{"hour": 3, "minute": 30}
